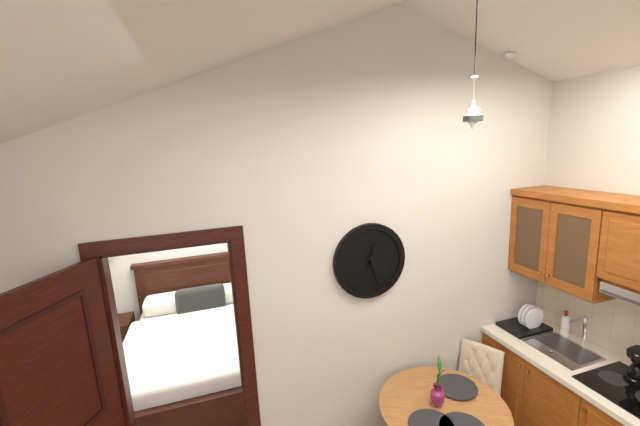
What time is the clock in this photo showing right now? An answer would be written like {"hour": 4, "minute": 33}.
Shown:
{"hour": 12, "minute": 27}
